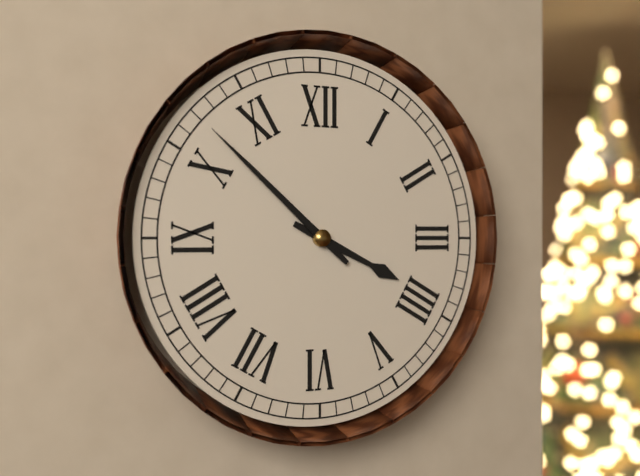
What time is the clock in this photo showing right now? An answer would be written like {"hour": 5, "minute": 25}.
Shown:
{"hour": 3, "minute": 52}
